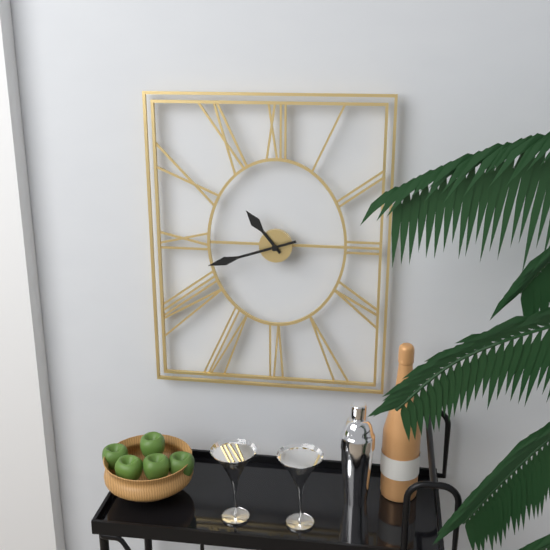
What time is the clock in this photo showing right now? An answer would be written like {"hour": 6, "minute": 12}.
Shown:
{"hour": 10, "minute": 42}
